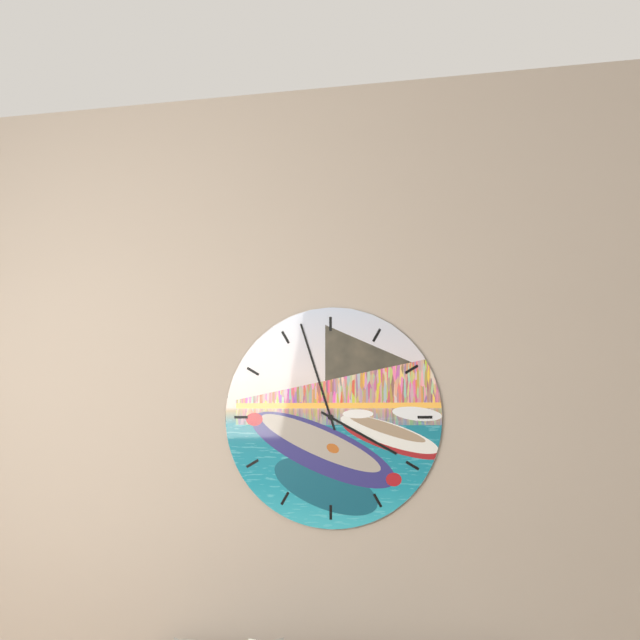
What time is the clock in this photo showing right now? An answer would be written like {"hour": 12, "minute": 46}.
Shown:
{"hour": 3, "minute": 57}
